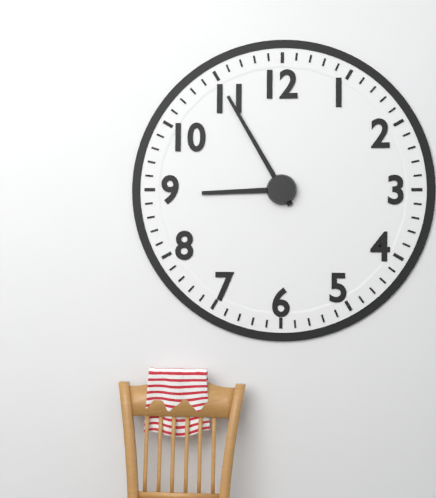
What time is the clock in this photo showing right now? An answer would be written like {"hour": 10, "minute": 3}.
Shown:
{"hour": 8, "minute": 55}
